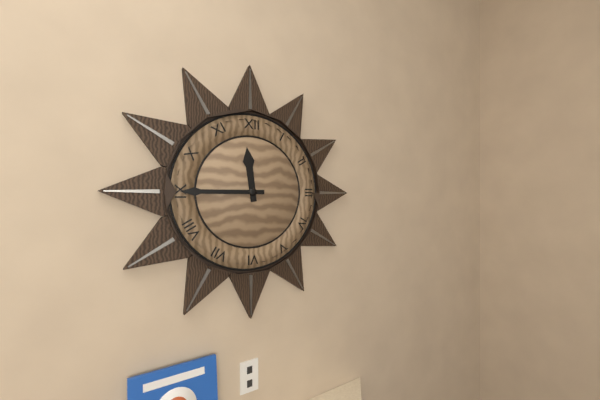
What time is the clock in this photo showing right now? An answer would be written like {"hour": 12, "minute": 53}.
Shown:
{"hour": 11, "minute": 45}
